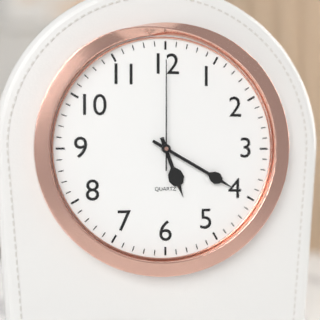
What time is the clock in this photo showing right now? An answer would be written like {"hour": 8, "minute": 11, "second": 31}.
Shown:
{"hour": 5, "minute": 20, "second": 0}
